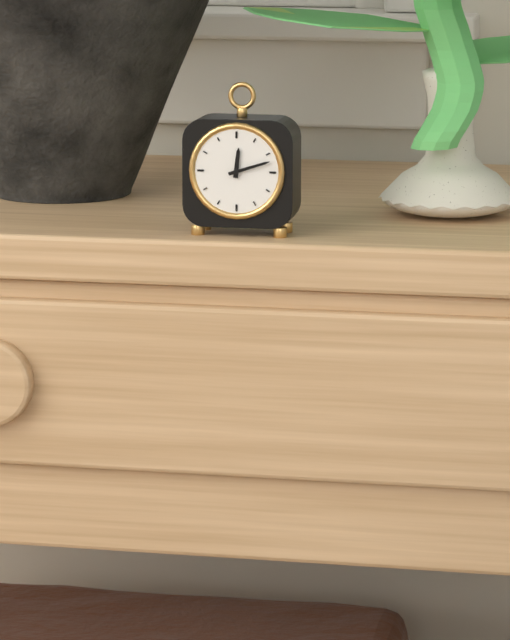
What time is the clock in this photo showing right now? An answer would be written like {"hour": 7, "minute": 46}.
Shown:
{"hour": 12, "minute": 12}
